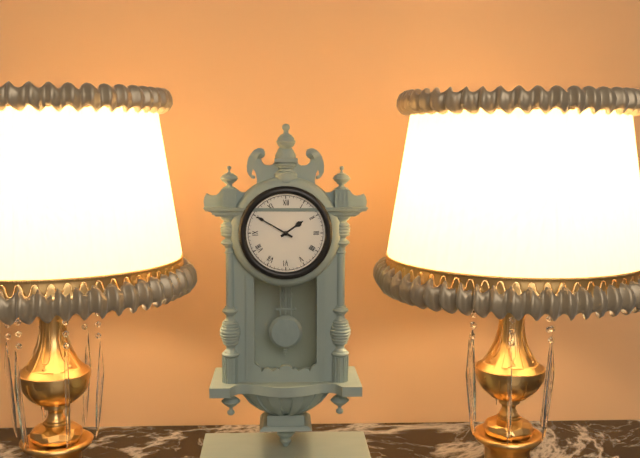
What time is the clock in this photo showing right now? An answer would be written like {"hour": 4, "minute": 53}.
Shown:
{"hour": 1, "minute": 50}
